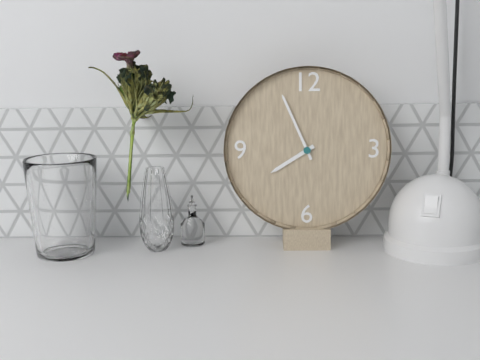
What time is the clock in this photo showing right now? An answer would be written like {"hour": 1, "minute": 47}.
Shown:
{"hour": 7, "minute": 56}
